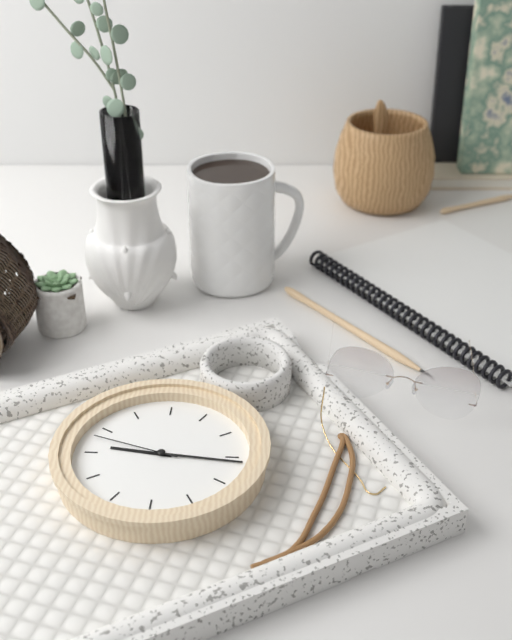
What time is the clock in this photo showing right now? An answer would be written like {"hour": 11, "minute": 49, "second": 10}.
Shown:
{"hour": 9, "minute": 16, "second": 48}
